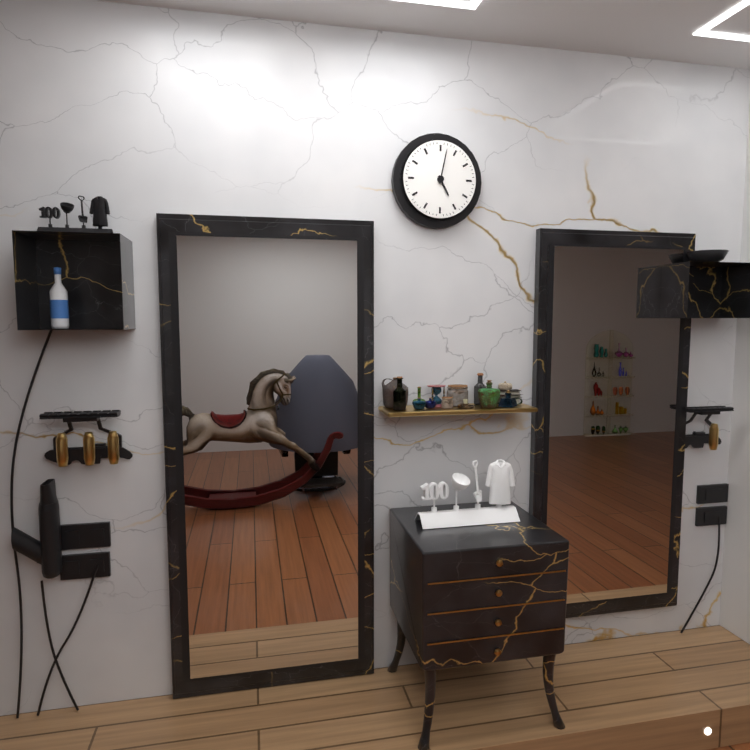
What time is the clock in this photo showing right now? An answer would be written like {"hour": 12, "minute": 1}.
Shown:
{"hour": 5, "minute": 2}
